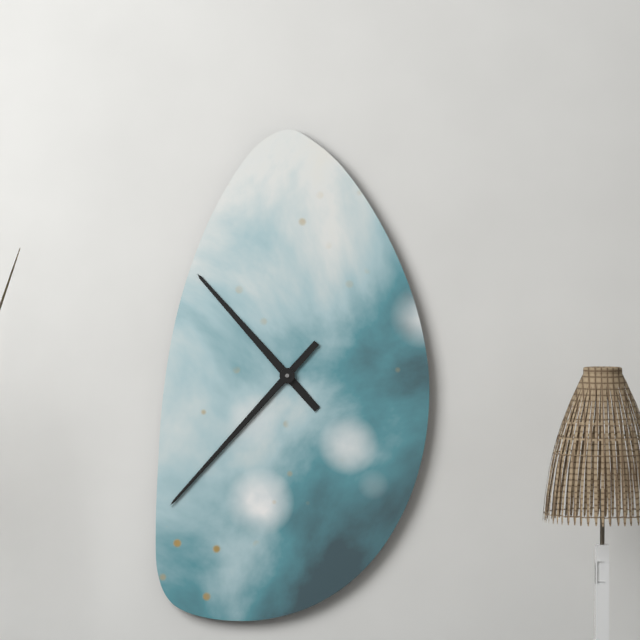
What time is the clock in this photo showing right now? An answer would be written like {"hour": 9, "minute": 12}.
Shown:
{"hour": 10, "minute": 37}
